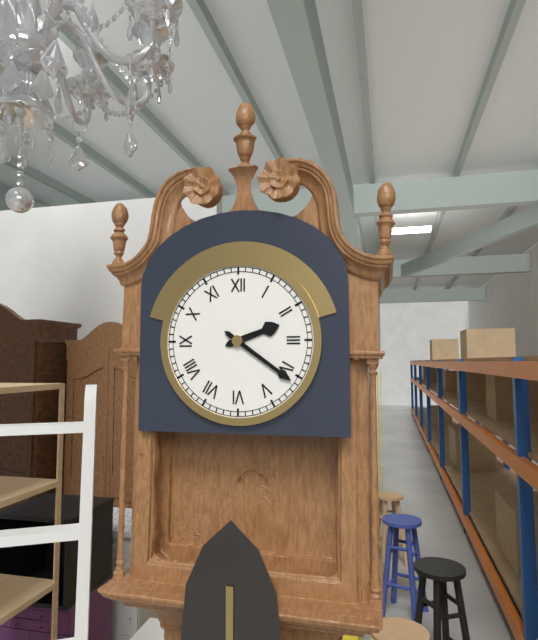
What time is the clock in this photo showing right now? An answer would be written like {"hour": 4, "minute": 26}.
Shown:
{"hour": 2, "minute": 21}
